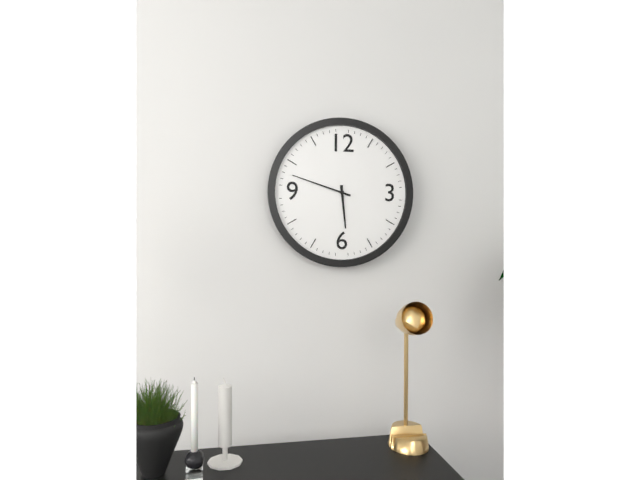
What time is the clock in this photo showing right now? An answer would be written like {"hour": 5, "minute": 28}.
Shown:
{"hour": 5, "minute": 48}
